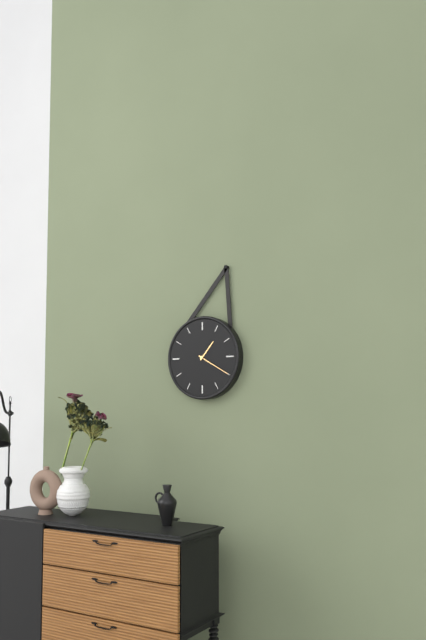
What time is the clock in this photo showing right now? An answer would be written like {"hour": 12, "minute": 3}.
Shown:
{"hour": 1, "minute": 20}
